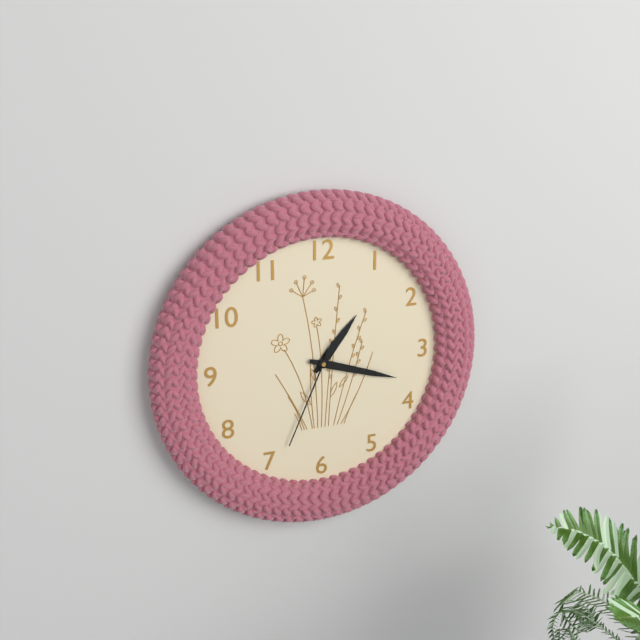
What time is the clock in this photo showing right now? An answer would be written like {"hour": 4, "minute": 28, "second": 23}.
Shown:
{"hour": 1, "minute": 18, "second": 34}
